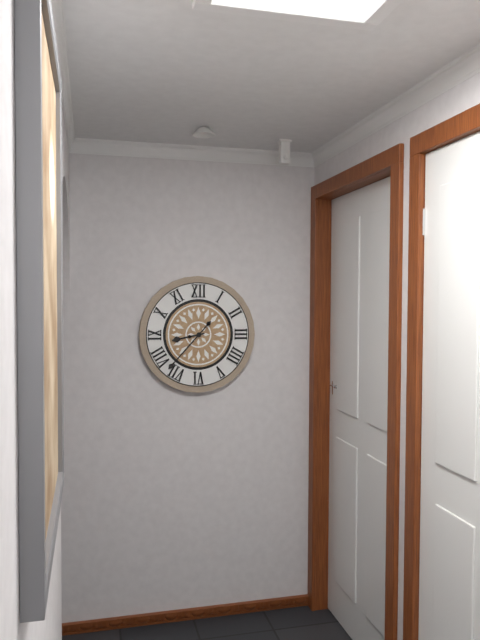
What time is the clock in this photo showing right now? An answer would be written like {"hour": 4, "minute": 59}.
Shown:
{"hour": 8, "minute": 37}
